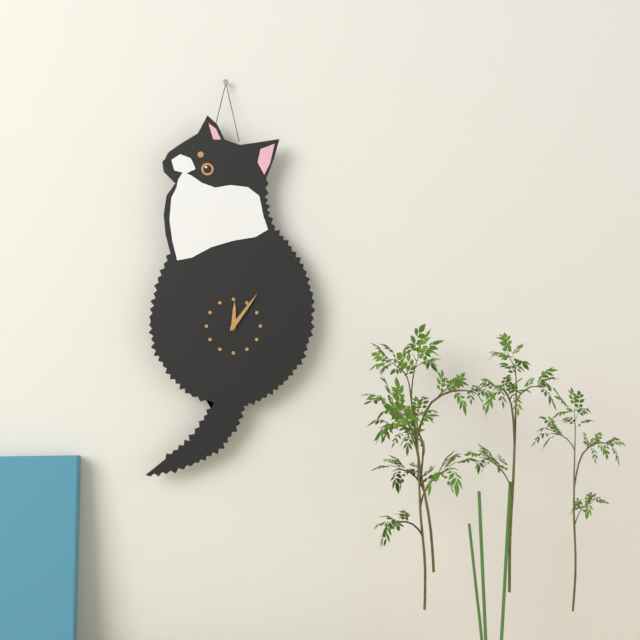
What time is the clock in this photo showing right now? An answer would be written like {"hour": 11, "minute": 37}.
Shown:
{"hour": 12, "minute": 6}
